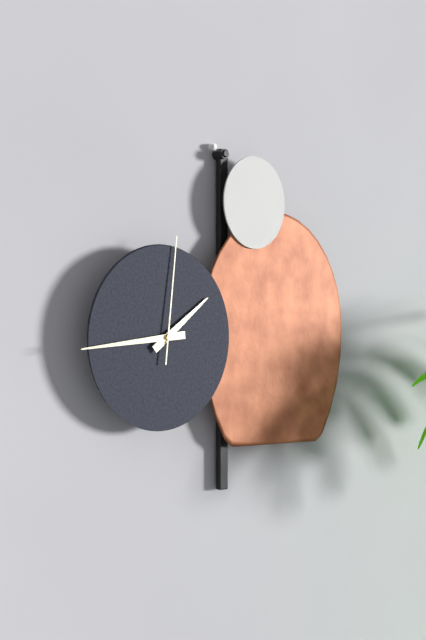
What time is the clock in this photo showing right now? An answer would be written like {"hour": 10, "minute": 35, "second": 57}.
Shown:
{"hour": 1, "minute": 44, "second": 1}
